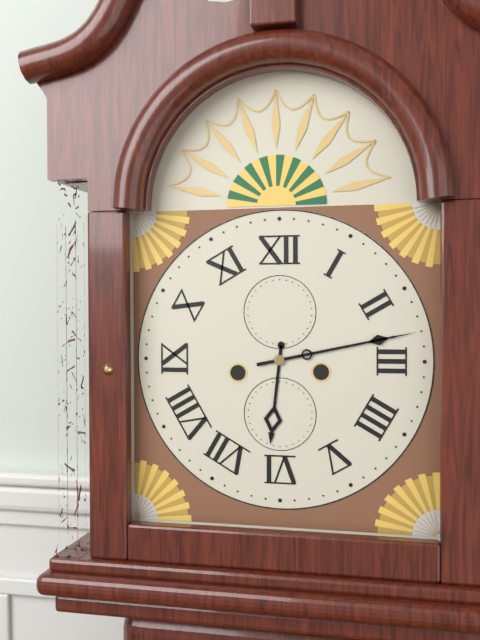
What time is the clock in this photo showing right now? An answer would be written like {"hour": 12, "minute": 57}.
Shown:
{"hour": 6, "minute": 13}
